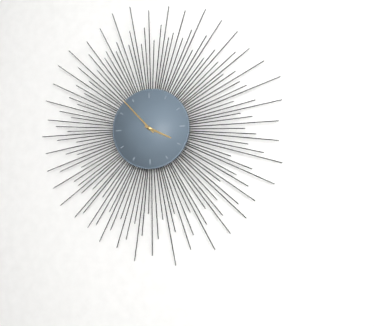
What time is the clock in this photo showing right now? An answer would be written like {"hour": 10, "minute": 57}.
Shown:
{"hour": 3, "minute": 53}
